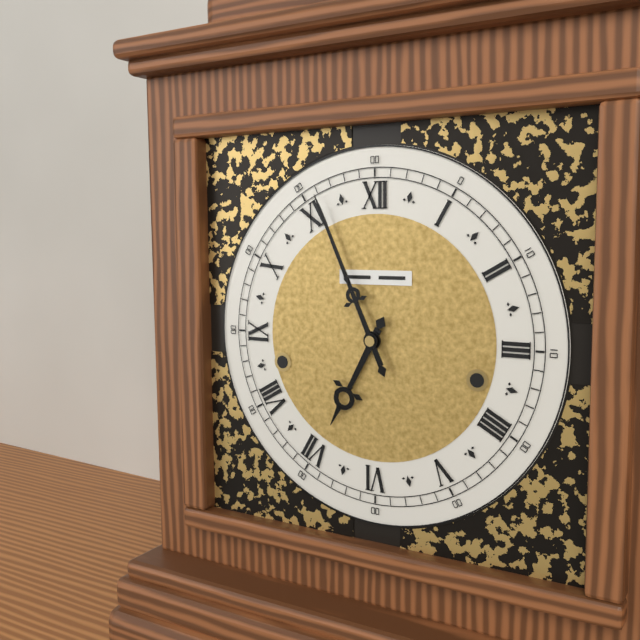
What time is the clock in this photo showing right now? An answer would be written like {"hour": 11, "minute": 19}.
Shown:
{"hour": 6, "minute": 56}
